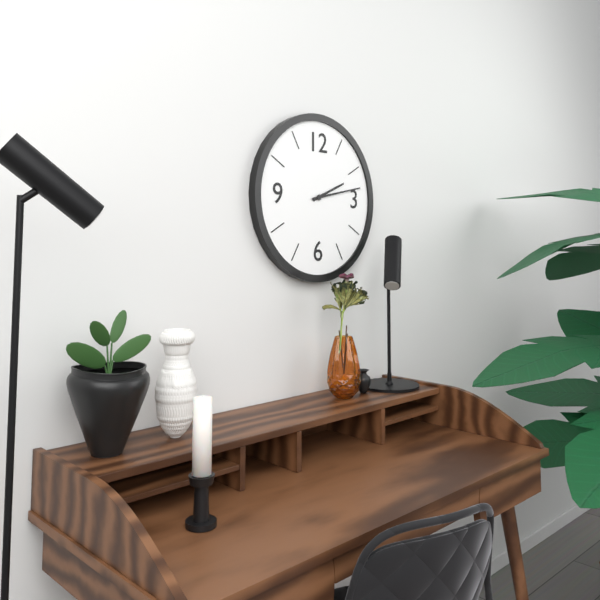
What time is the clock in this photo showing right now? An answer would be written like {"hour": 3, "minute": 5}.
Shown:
{"hour": 2, "minute": 13}
